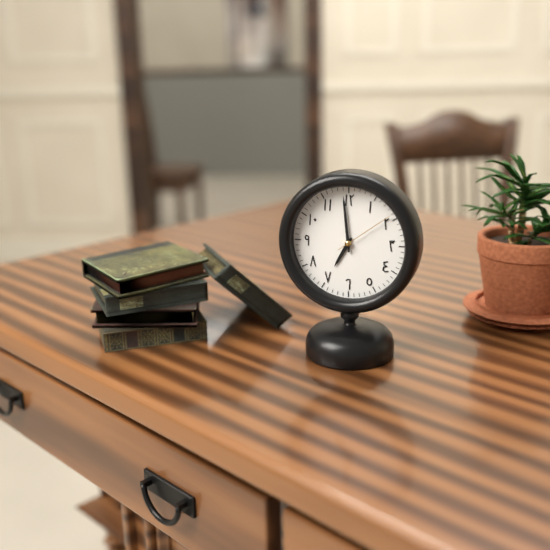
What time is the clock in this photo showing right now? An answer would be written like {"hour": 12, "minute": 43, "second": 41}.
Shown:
{"hour": 6, "minute": 59, "second": 9}
